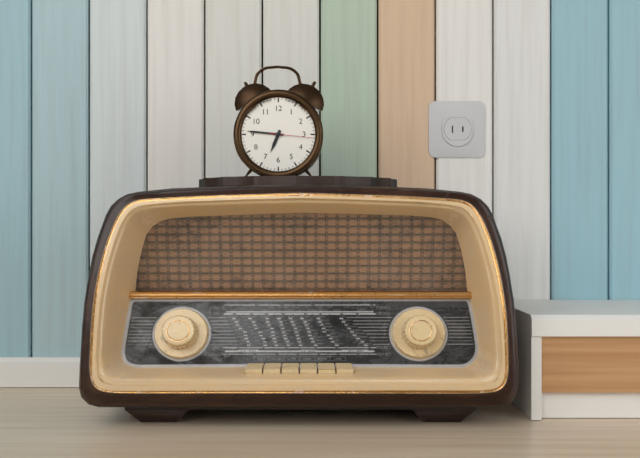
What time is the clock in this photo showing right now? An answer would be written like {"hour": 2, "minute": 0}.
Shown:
{"hour": 6, "minute": 46}
